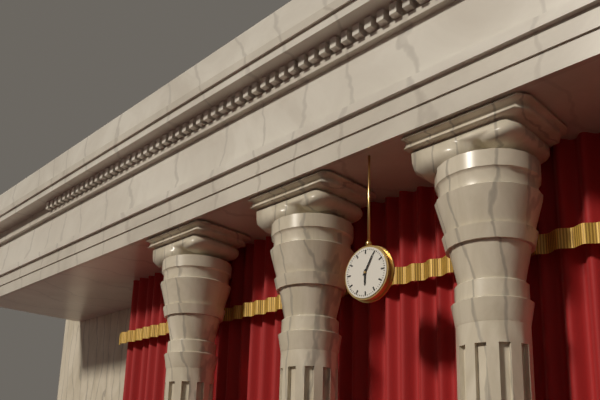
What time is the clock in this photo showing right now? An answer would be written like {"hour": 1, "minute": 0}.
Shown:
{"hour": 6, "minute": 5}
